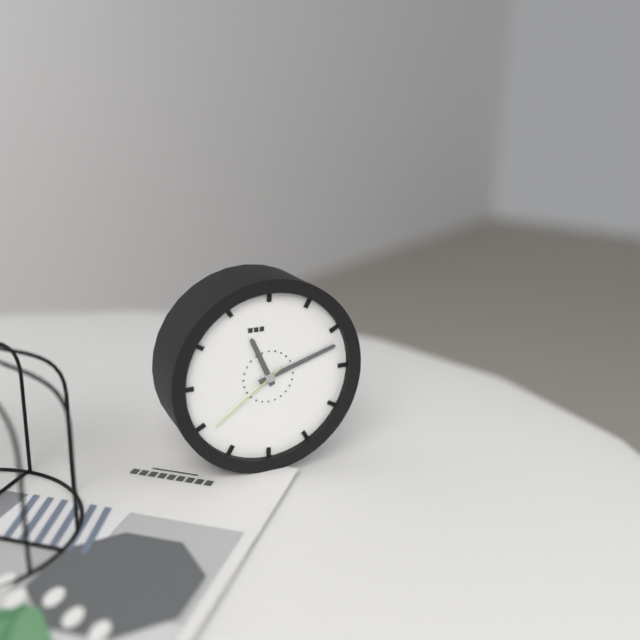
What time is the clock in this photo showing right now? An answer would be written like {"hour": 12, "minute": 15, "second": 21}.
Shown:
{"hour": 11, "minute": 12, "second": 39}
